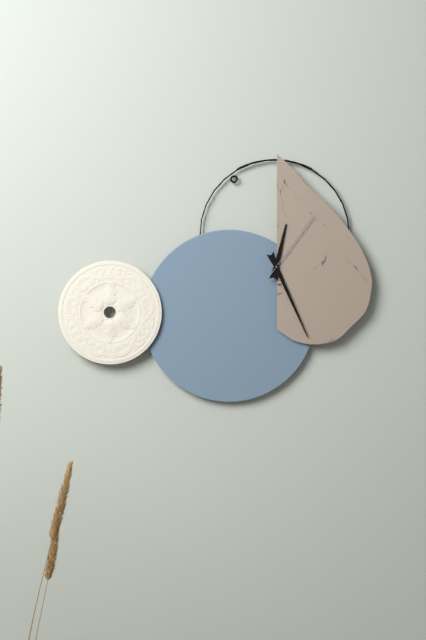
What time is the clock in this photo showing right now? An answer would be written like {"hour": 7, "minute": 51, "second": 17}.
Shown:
{"hour": 12, "minute": 26, "second": 6}
